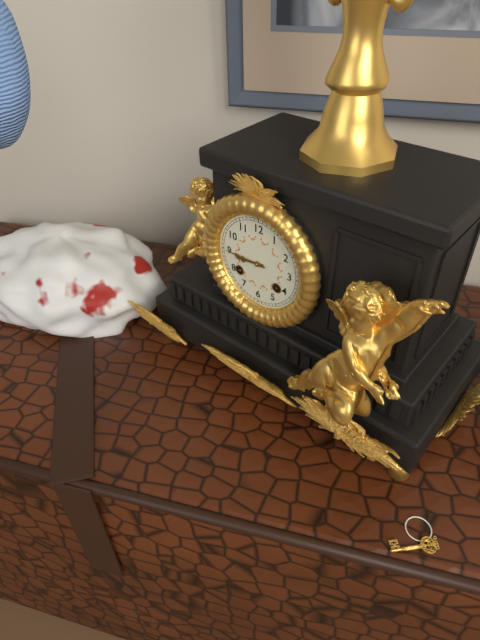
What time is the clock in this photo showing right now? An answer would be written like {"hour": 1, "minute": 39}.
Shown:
{"hour": 8, "minute": 45}
